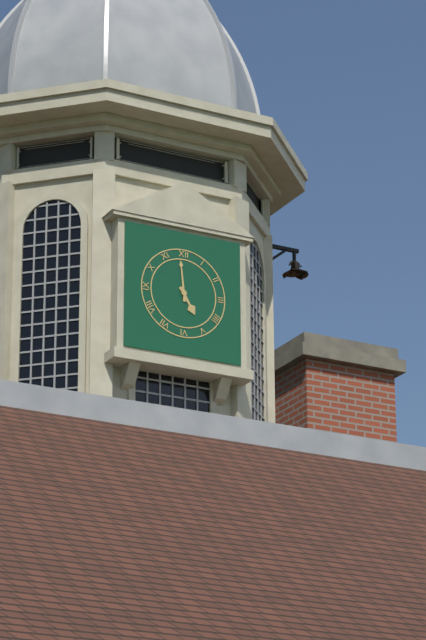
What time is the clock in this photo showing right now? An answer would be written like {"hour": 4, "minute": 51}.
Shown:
{"hour": 4, "minute": 59}
